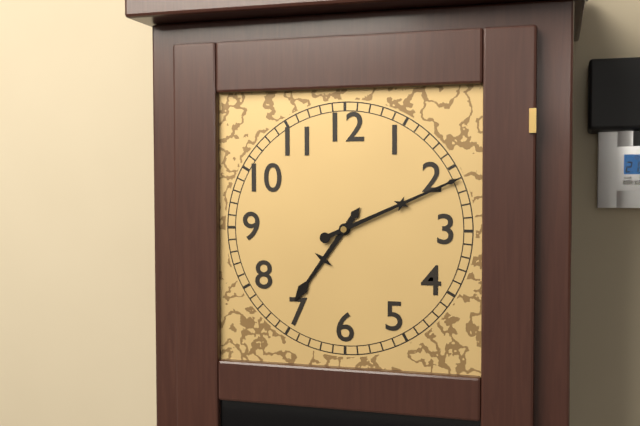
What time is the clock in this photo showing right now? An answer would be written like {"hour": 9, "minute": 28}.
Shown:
{"hour": 7, "minute": 11}
